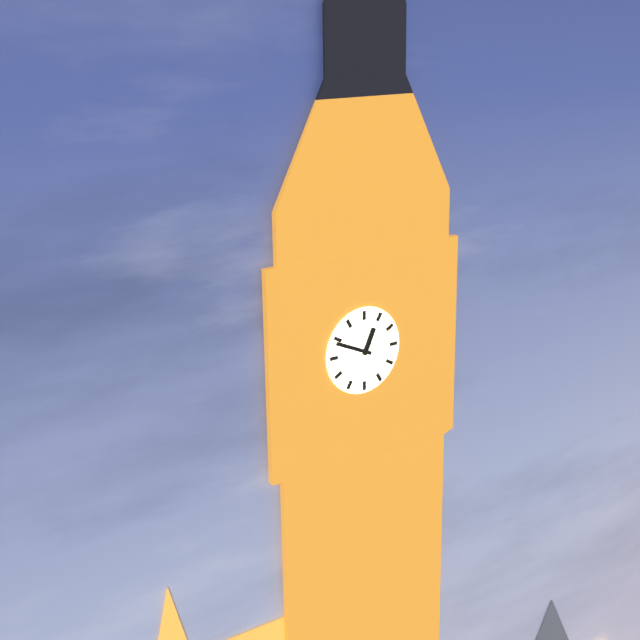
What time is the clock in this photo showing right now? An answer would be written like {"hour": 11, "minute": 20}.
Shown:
{"hour": 12, "minute": 49}
